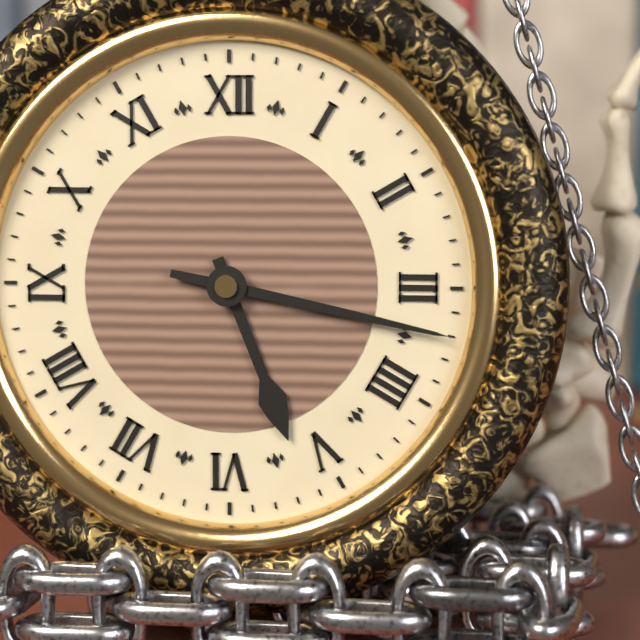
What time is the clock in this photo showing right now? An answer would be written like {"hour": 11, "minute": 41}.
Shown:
{"hour": 5, "minute": 17}
